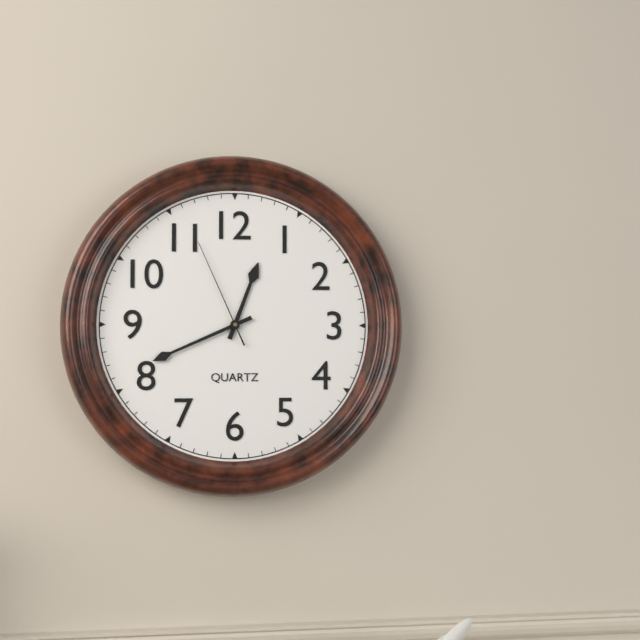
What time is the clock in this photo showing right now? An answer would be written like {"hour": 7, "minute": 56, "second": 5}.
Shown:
{"hour": 12, "minute": 41, "second": 56}
